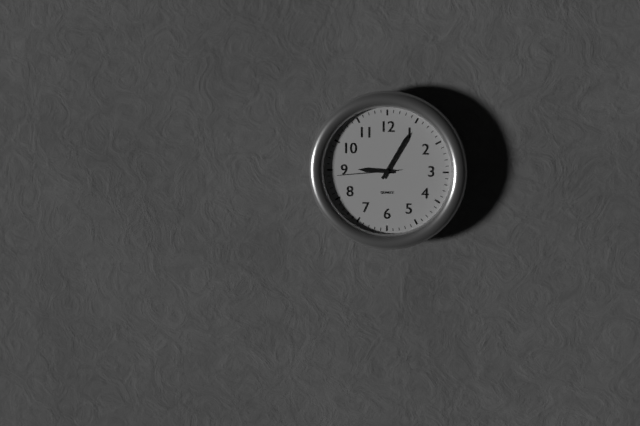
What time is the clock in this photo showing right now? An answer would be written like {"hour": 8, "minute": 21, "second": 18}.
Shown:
{"hour": 9, "minute": 5, "second": 44}
